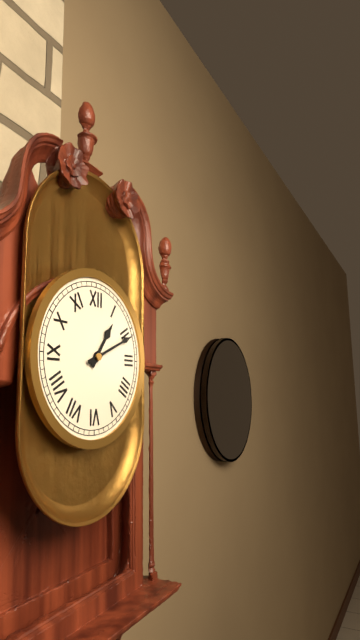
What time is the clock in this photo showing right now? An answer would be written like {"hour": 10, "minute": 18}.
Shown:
{"hour": 1, "minute": 11}
